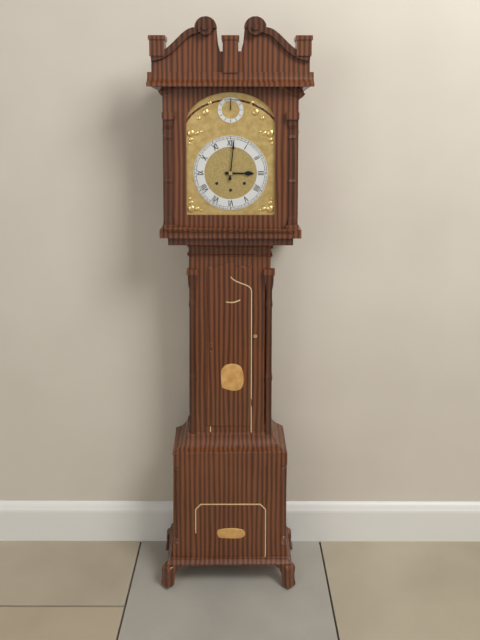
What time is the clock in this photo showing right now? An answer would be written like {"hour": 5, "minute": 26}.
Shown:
{"hour": 3, "minute": 1}
